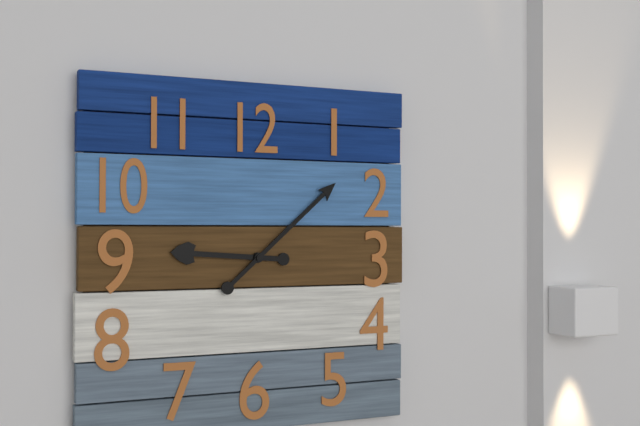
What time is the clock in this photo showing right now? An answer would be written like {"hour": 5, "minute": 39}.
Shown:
{"hour": 9, "minute": 8}
